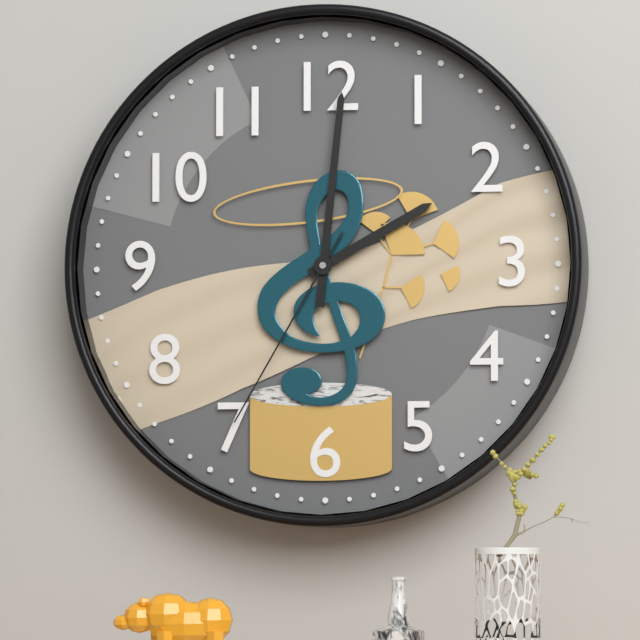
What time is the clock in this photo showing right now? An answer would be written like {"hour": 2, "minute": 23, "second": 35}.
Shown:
{"hour": 2, "minute": 1, "second": 35}
